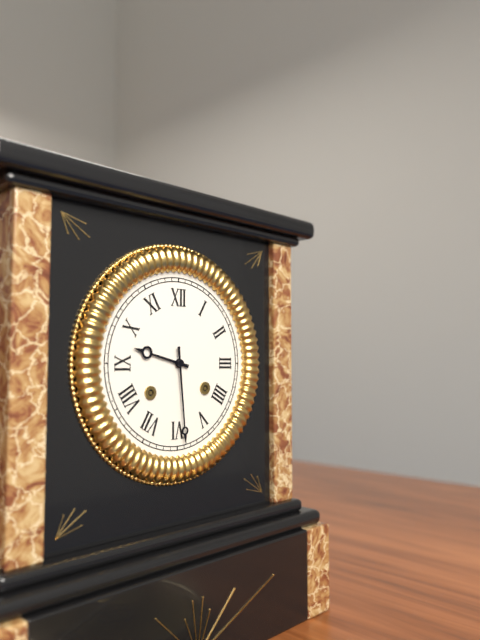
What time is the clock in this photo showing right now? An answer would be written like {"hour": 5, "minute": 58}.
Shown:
{"hour": 9, "minute": 29}
